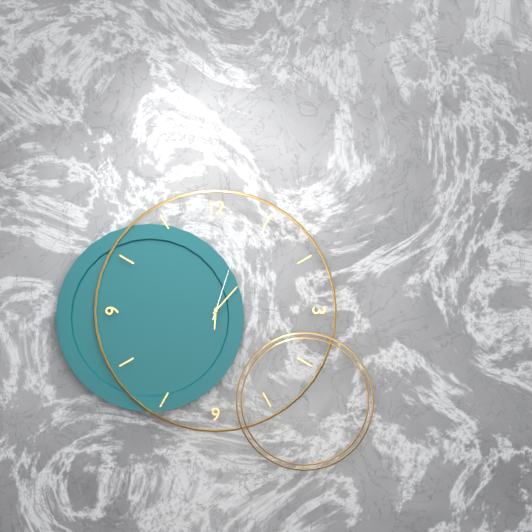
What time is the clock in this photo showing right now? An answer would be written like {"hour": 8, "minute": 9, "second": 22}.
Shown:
{"hour": 6, "minute": 7, "second": 3}
